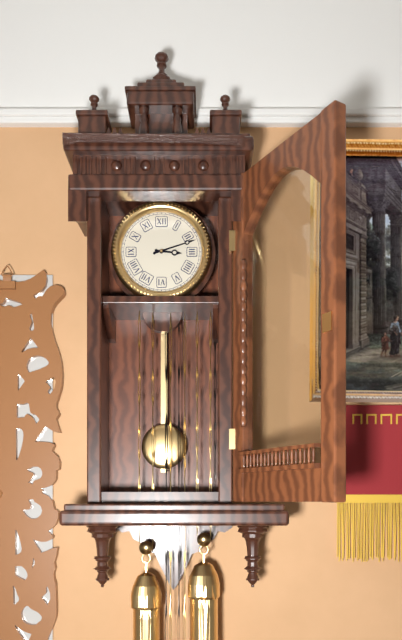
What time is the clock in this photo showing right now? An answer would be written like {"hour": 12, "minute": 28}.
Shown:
{"hour": 3, "minute": 12}
